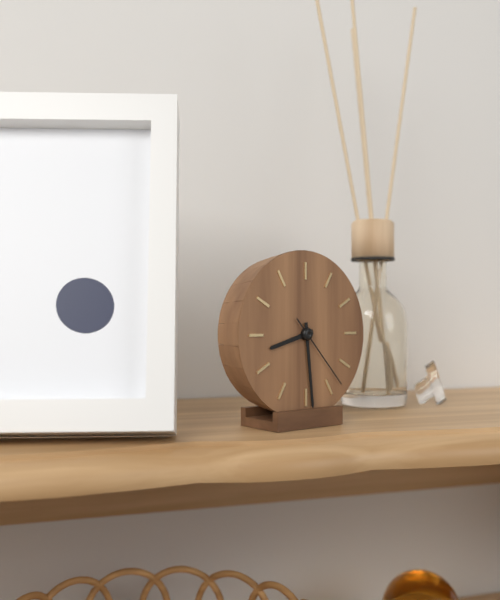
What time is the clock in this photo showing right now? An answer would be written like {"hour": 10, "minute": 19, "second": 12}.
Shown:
{"hour": 8, "minute": 29, "second": 23}
